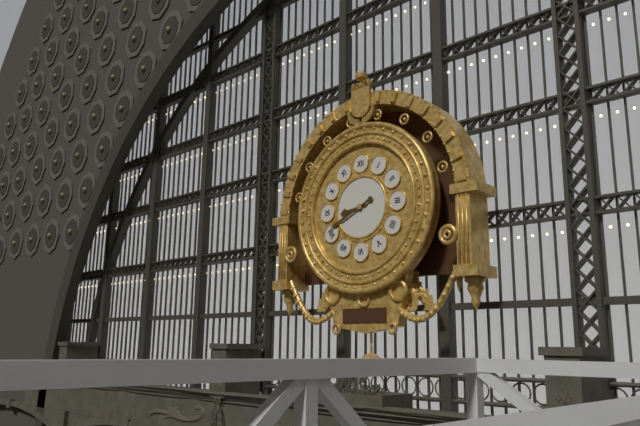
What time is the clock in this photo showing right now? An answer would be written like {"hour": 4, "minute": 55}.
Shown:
{"hour": 8, "minute": 41}
